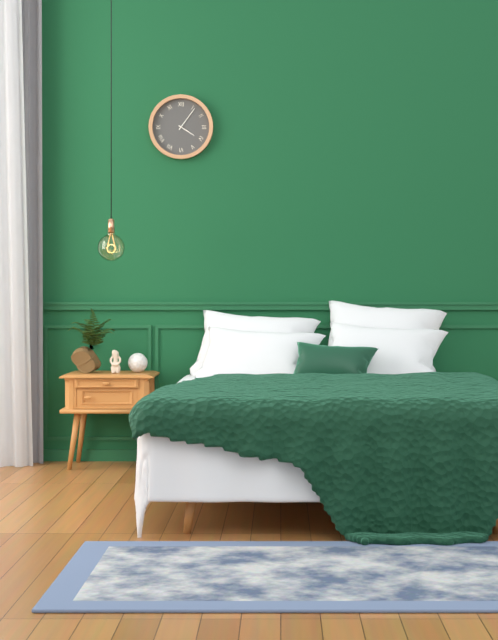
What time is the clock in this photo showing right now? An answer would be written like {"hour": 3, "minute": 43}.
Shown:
{"hour": 4, "minute": 6}
